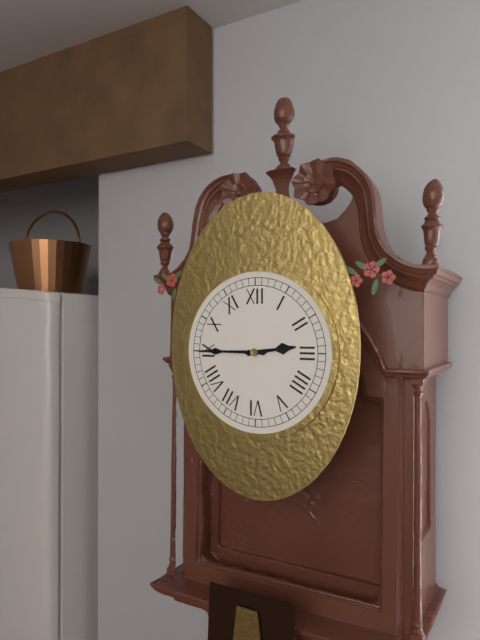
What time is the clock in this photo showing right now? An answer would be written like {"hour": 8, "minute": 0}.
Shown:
{"hour": 2, "minute": 45}
